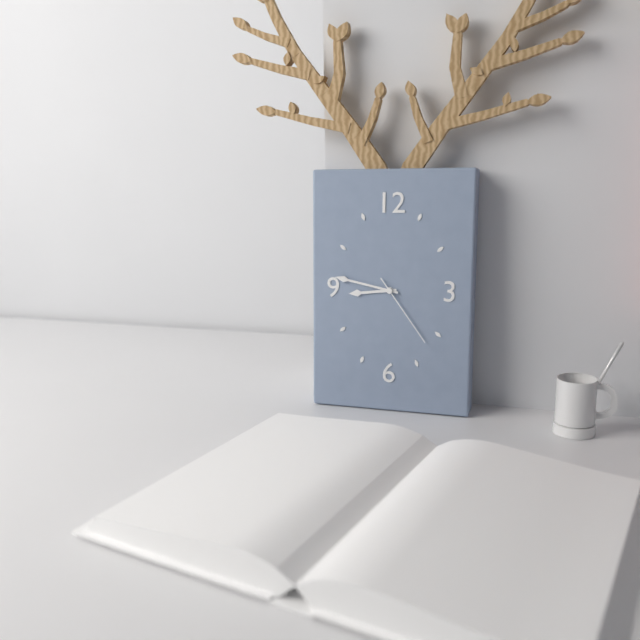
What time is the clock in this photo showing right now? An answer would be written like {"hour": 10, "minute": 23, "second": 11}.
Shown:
{"hour": 8, "minute": 47, "second": 24}
